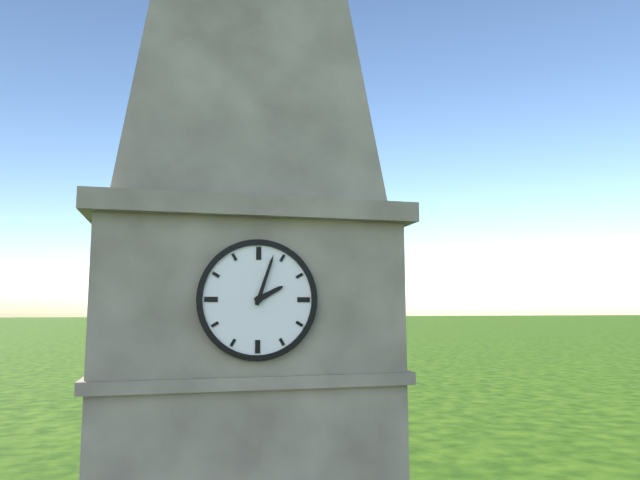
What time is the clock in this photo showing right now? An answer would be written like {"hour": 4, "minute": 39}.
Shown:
{"hour": 2, "minute": 3}
